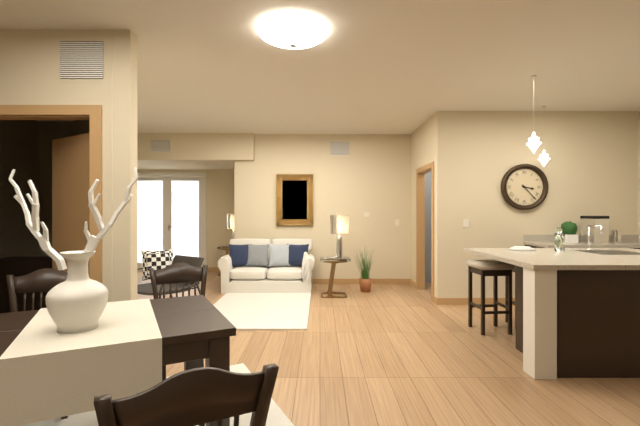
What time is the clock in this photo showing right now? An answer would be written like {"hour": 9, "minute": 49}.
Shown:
{"hour": 3, "minute": 23}
